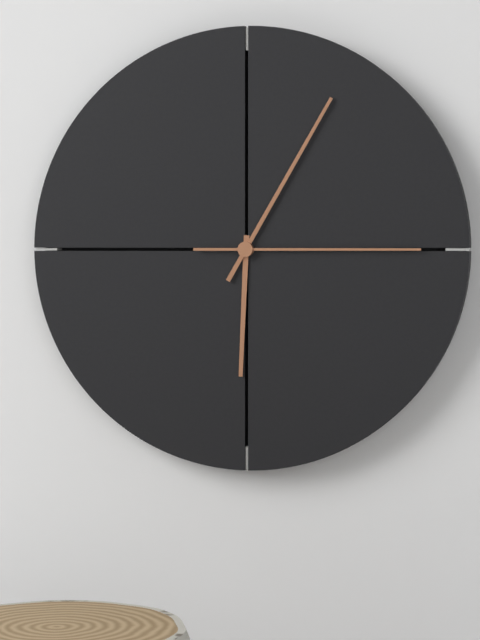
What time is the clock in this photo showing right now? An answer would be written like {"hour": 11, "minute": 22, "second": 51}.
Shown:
{"hour": 6, "minute": 5, "second": 15}
